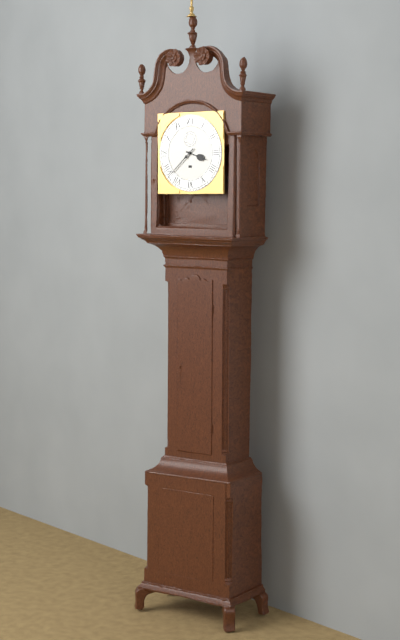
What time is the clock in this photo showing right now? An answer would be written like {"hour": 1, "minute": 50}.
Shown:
{"hour": 3, "minute": 38}
